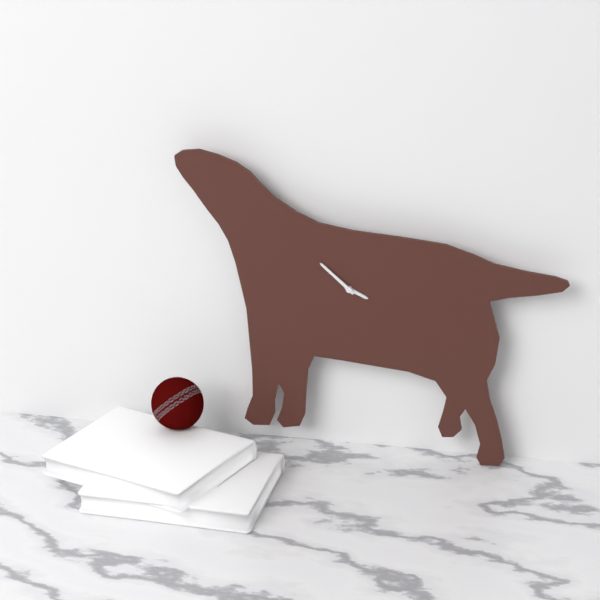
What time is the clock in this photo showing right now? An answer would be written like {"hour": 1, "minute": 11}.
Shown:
{"hour": 3, "minute": 52}
